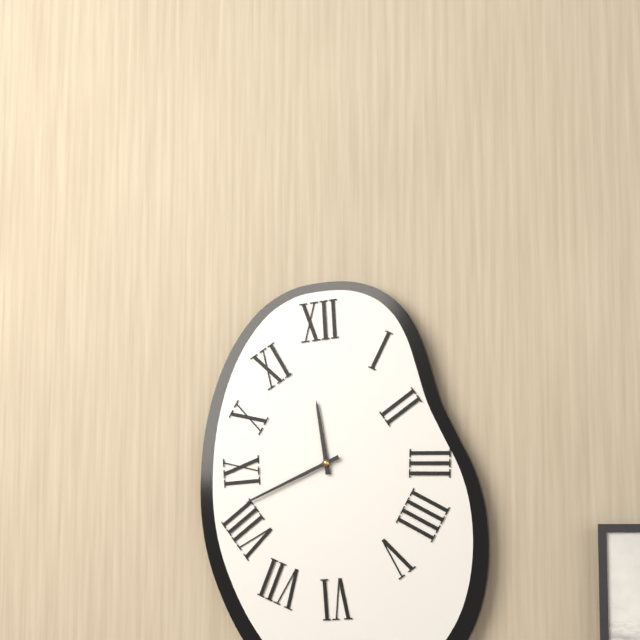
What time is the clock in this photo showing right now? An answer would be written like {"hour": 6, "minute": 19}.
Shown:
{"hour": 11, "minute": 41}
